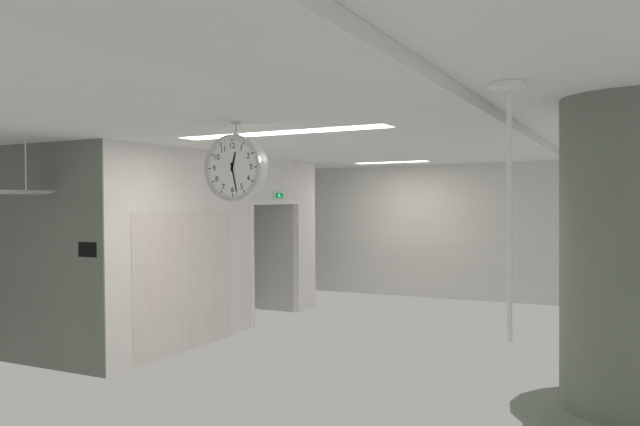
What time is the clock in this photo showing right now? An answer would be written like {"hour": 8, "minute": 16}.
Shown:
{"hour": 12, "minute": 28}
